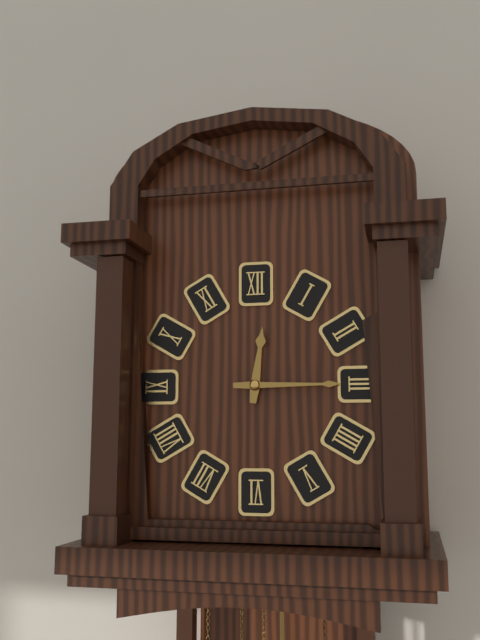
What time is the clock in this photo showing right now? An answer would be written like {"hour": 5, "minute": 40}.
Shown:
{"hour": 12, "minute": 15}
